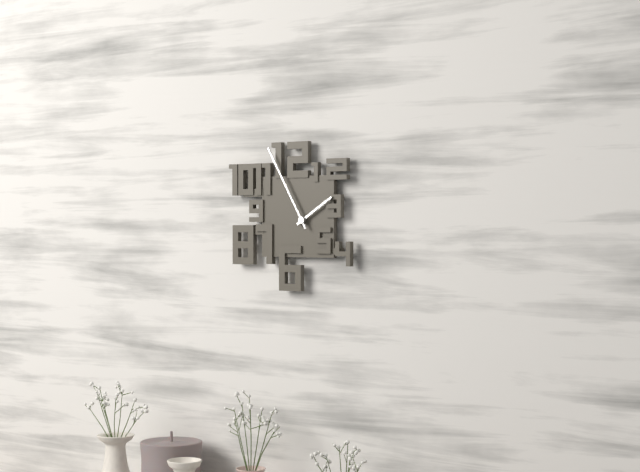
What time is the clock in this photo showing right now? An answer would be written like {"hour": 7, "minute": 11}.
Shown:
{"hour": 1, "minute": 55}
